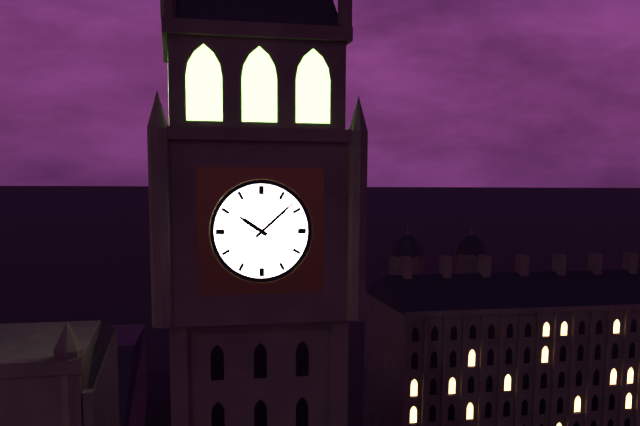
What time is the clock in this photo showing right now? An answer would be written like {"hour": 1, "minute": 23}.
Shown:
{"hour": 10, "minute": 8}
